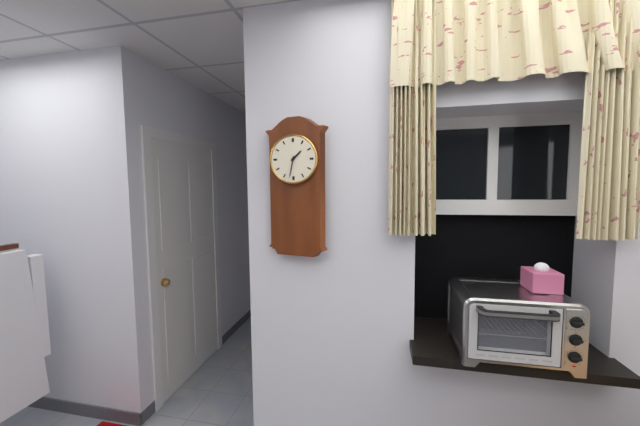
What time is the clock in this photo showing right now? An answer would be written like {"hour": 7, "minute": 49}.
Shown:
{"hour": 1, "minute": 32}
